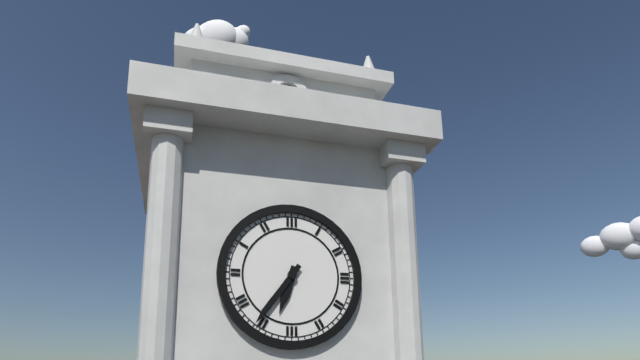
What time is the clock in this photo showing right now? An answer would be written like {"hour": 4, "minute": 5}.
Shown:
{"hour": 6, "minute": 36}
